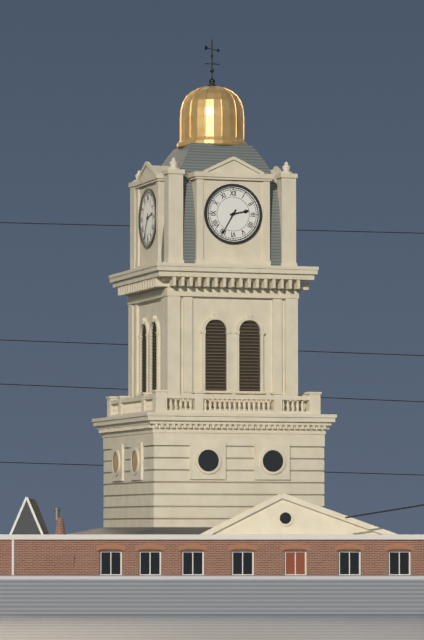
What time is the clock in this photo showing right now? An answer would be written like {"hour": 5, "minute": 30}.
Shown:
{"hour": 2, "minute": 35}
